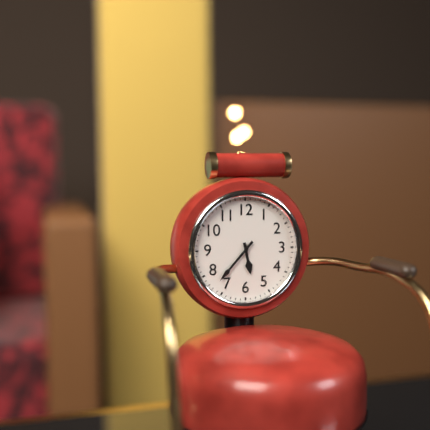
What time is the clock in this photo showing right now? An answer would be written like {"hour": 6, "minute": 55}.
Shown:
{"hour": 5, "minute": 37}
